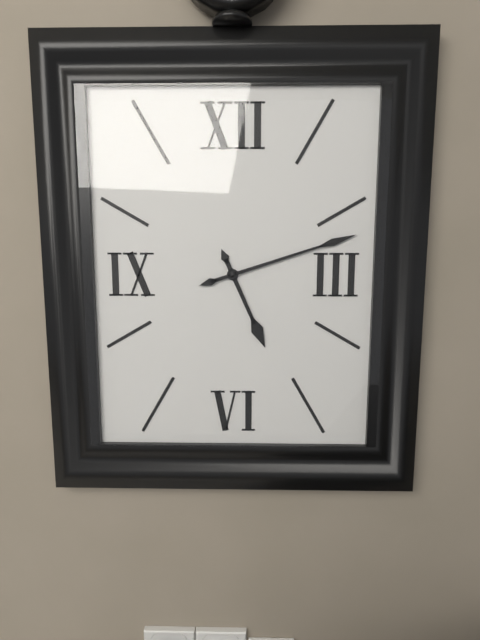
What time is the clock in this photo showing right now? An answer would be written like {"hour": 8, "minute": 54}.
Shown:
{"hour": 5, "minute": 12}
